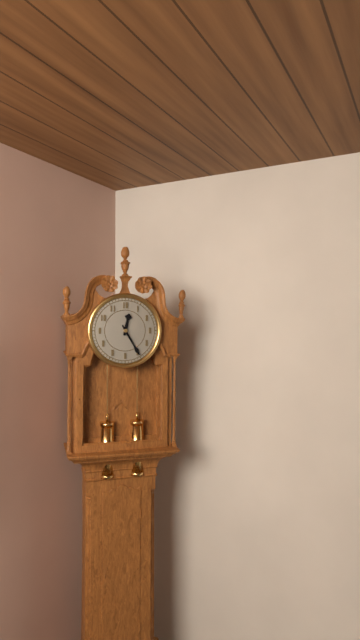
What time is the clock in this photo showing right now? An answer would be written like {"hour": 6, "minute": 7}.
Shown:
{"hour": 12, "minute": 25}
